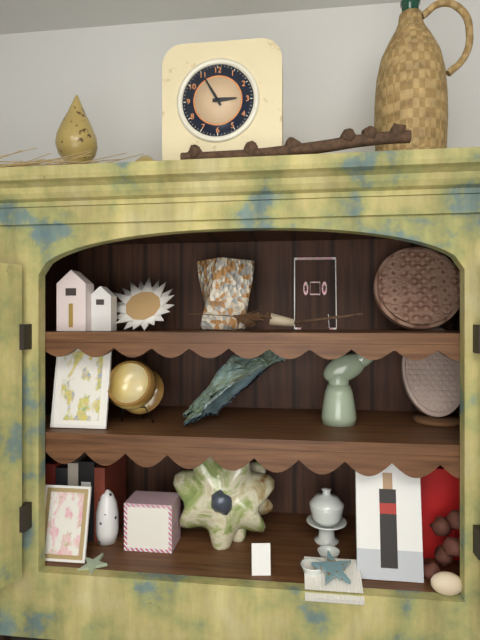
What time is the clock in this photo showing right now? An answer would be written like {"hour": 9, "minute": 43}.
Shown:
{"hour": 2, "minute": 55}
